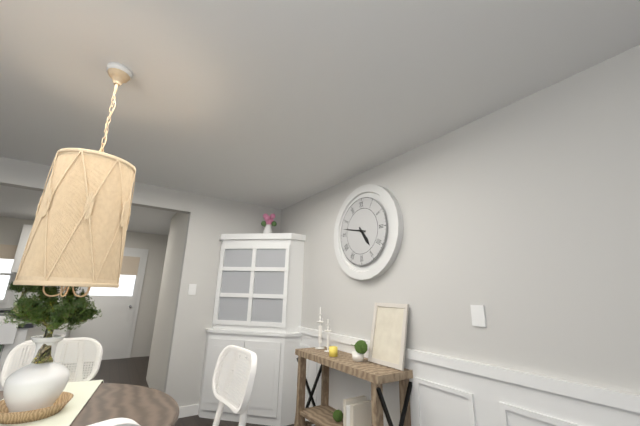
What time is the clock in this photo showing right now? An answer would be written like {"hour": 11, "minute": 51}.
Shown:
{"hour": 4, "minute": 47}
